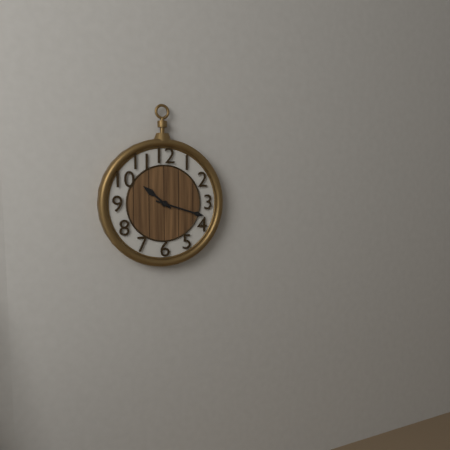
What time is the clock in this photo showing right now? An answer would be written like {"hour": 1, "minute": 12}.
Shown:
{"hour": 10, "minute": 18}
